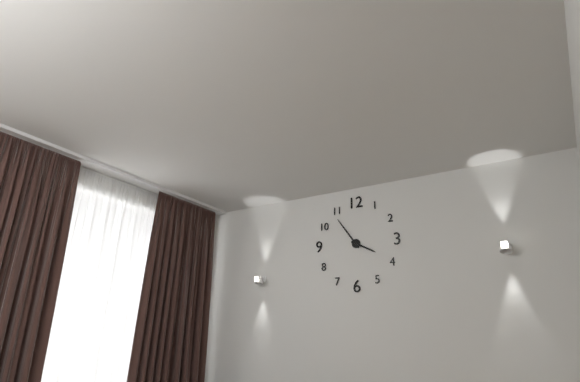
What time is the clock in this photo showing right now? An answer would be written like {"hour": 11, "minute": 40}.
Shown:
{"hour": 3, "minute": 54}
